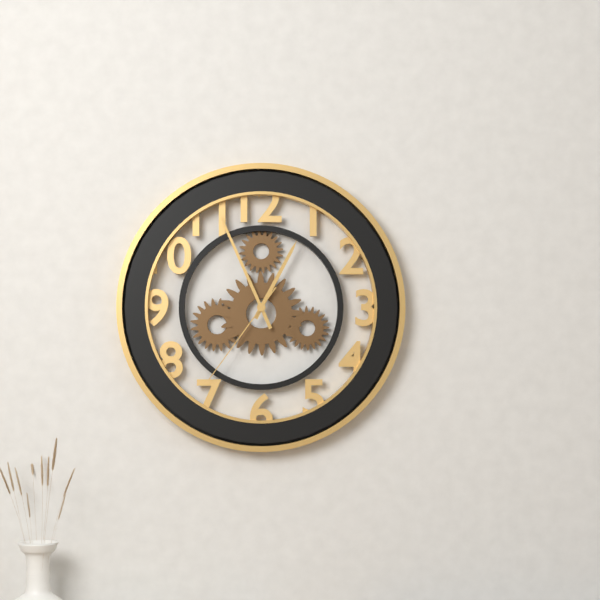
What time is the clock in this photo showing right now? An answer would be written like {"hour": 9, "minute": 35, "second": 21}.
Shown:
{"hour": 12, "minute": 56, "second": 36}
